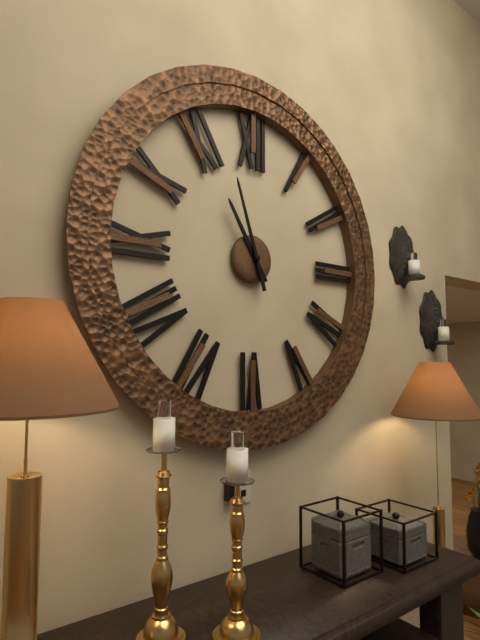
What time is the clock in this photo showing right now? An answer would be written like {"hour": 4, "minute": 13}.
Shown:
{"hour": 10, "minute": 57}
